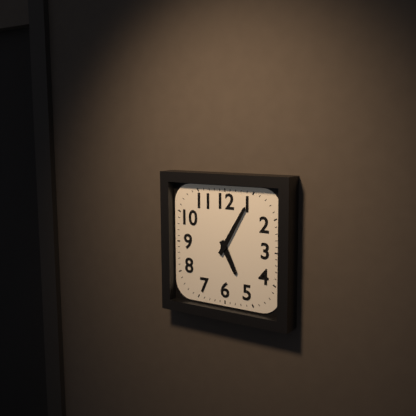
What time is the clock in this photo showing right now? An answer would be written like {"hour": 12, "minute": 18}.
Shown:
{"hour": 5, "minute": 5}
